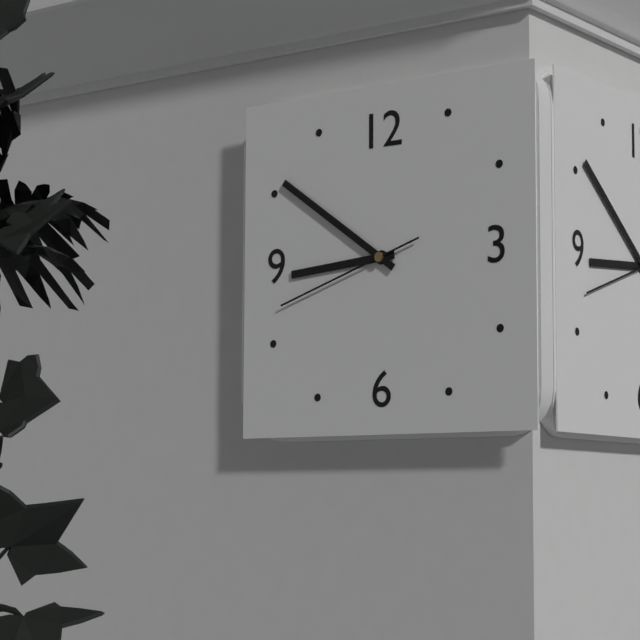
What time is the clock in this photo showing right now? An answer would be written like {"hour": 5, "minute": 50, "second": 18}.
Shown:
{"hour": 8, "minute": 51, "second": 42}
